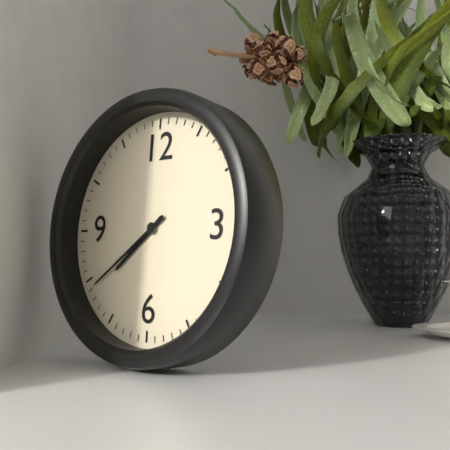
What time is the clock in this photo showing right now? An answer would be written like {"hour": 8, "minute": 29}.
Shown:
{"hour": 7, "minute": 39}
